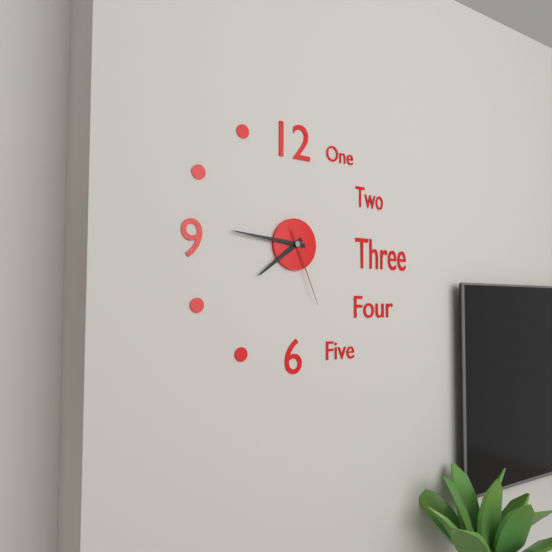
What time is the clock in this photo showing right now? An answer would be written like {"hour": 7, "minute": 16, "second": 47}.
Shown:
{"hour": 7, "minute": 46, "second": 26}
